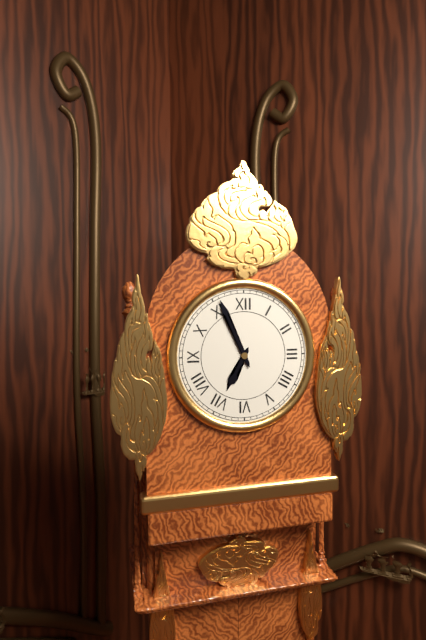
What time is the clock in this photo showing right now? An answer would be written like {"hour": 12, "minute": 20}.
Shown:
{"hour": 6, "minute": 56}
